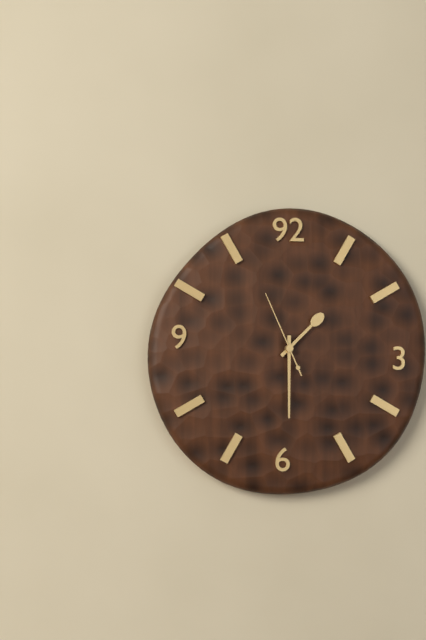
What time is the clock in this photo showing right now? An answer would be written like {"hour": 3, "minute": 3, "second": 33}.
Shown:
{"hour": 1, "minute": 30, "second": 56}
